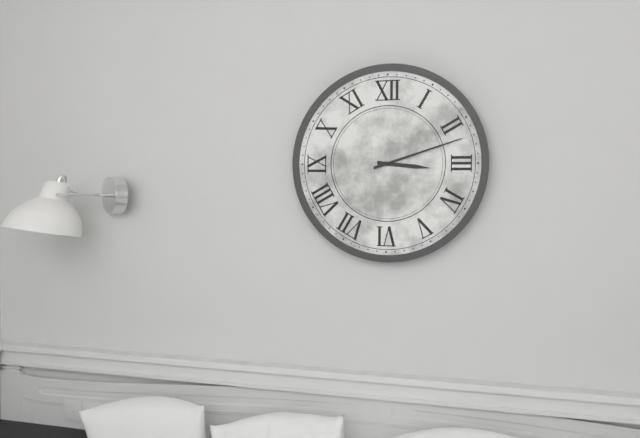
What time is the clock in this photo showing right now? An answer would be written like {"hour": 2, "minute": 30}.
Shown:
{"hour": 3, "minute": 12}
